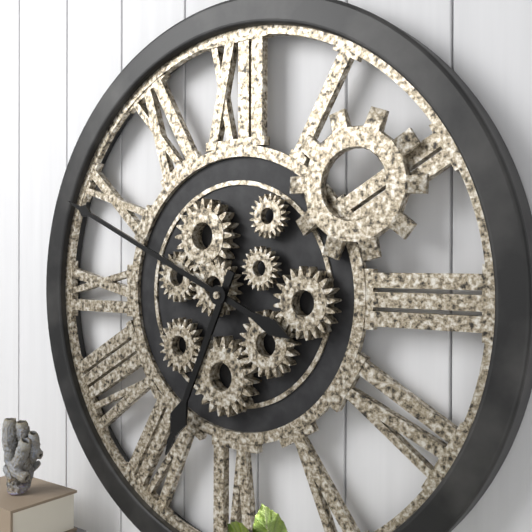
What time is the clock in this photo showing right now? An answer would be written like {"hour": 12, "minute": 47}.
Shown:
{"hour": 6, "minute": 49}
